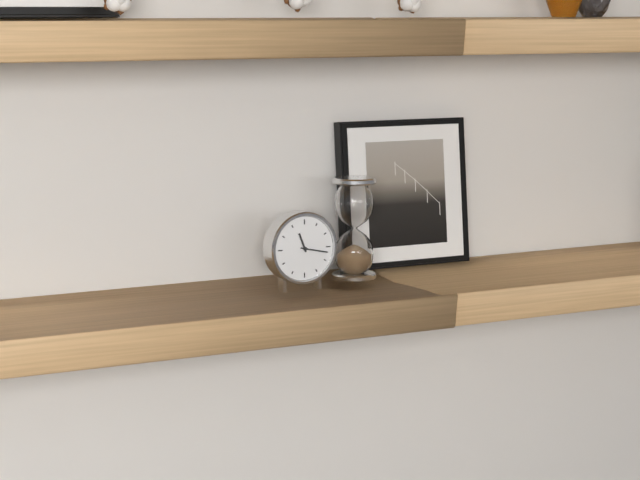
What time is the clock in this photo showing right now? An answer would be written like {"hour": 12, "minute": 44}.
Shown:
{"hour": 11, "minute": 17}
